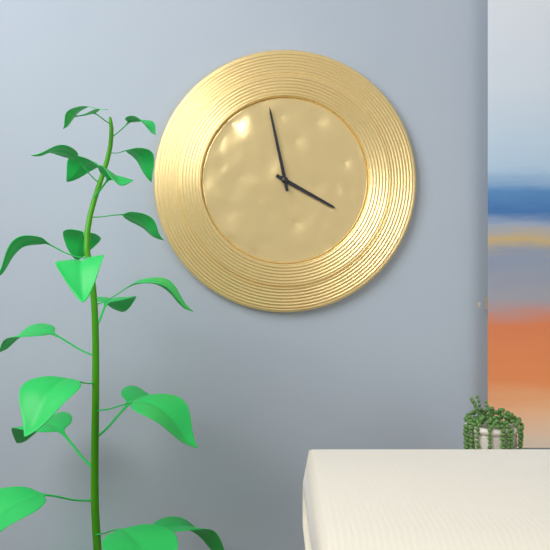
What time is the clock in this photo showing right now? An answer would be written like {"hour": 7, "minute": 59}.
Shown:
{"hour": 3, "minute": 58}
